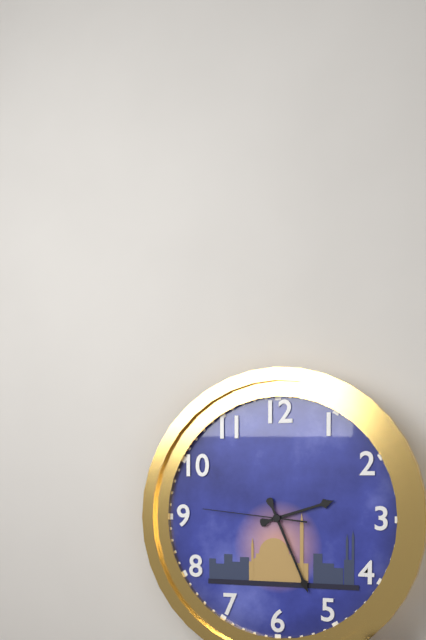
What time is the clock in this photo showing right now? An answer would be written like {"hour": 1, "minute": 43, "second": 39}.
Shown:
{"hour": 2, "minute": 26, "second": 46}
